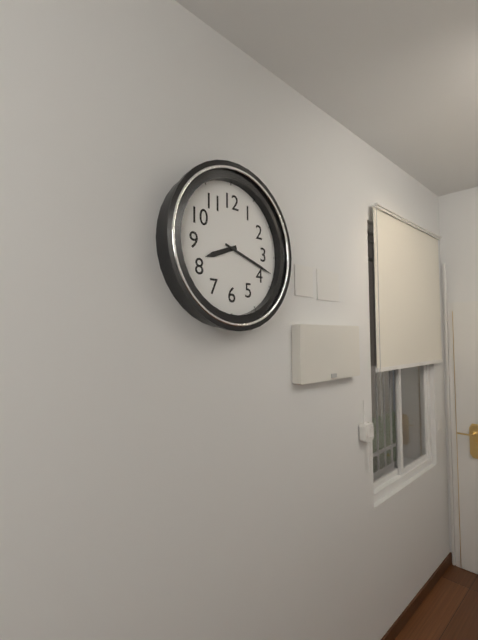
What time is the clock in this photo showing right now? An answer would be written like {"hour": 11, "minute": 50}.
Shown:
{"hour": 8, "minute": 18}
